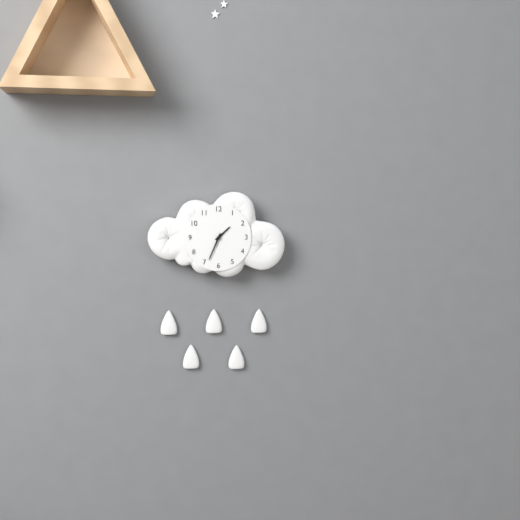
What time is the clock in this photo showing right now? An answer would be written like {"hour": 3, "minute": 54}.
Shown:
{"hour": 1, "minute": 34}
